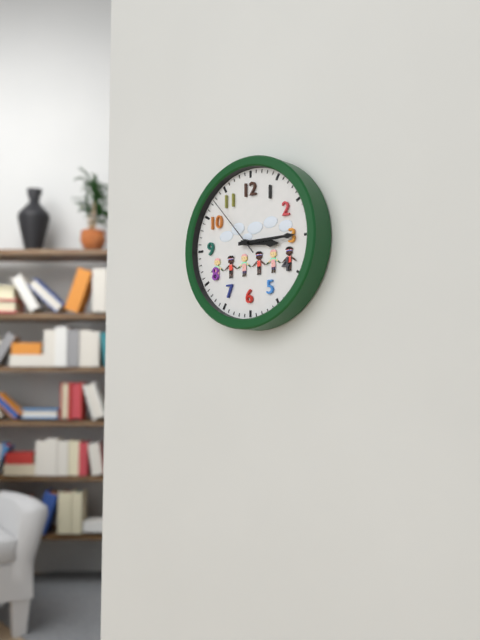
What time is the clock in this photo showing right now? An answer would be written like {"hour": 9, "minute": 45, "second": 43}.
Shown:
{"hour": 3, "minute": 15, "second": 53}
